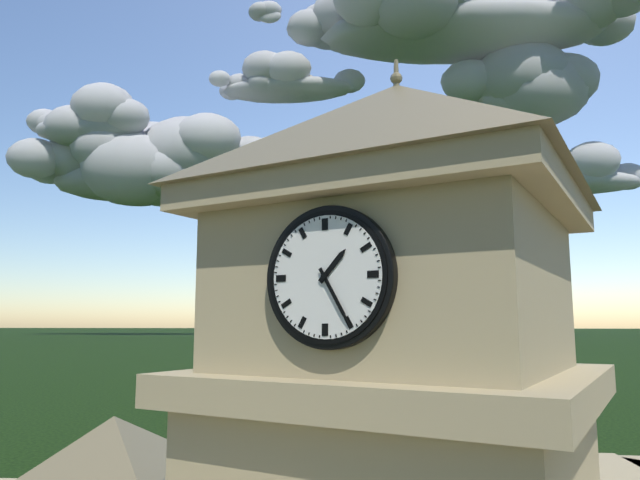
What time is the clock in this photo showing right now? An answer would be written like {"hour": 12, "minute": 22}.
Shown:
{"hour": 1, "minute": 25}
